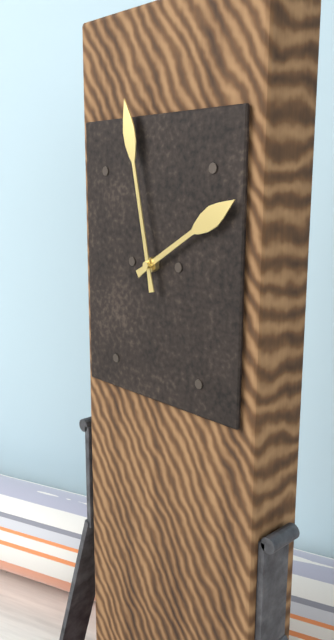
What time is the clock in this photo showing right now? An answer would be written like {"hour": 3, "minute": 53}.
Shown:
{"hour": 1, "minute": 58}
